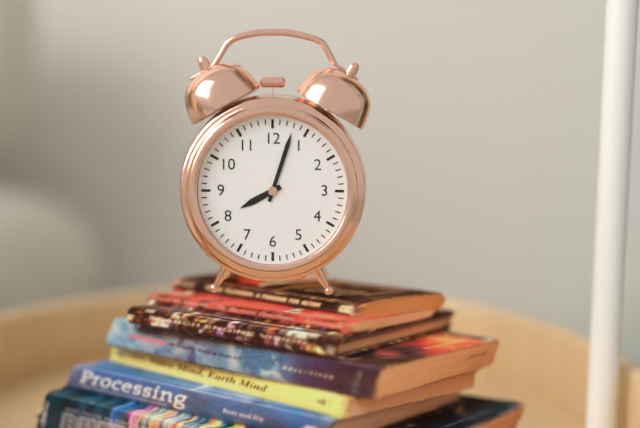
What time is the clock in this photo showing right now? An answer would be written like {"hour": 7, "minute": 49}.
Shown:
{"hour": 8, "minute": 3}
